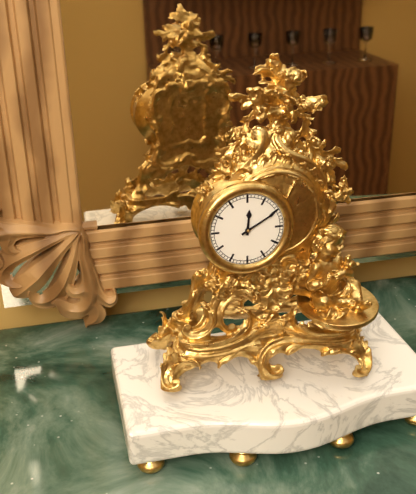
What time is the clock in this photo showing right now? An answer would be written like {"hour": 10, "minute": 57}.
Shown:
{"hour": 12, "minute": 10}
